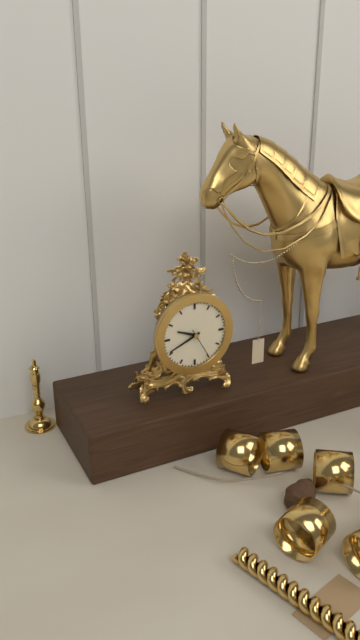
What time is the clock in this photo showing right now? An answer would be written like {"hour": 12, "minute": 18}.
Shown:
{"hour": 9, "minute": 41}
